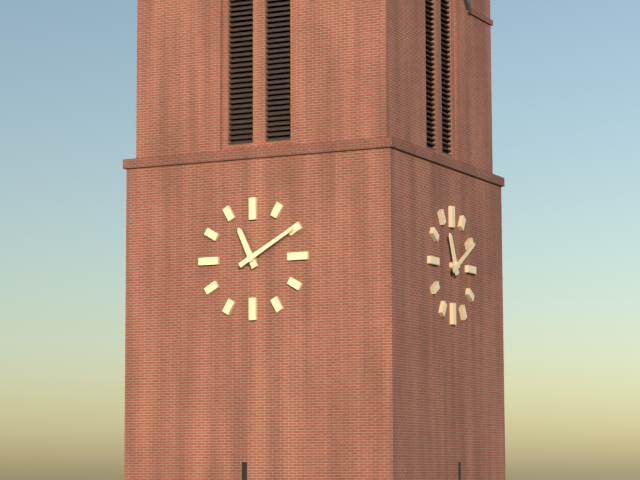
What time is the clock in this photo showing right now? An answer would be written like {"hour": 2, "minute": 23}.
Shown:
{"hour": 11, "minute": 10}
